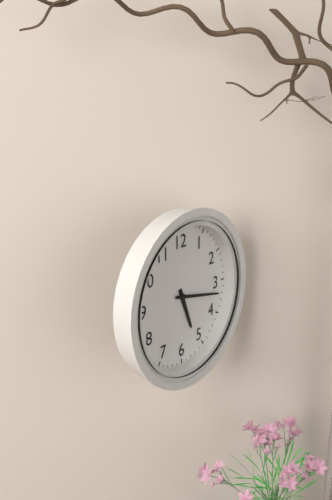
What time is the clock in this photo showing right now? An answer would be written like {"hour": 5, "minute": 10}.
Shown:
{"hour": 5, "minute": 17}
